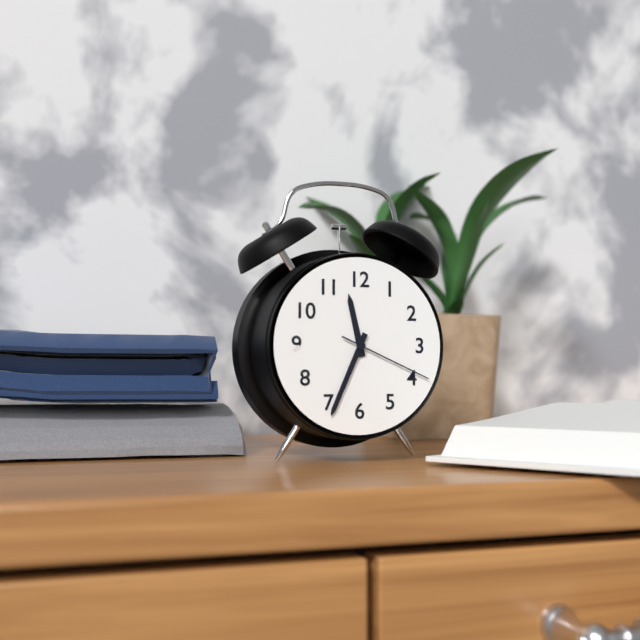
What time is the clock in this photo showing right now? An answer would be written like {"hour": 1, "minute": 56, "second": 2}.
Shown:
{"hour": 11, "minute": 34, "second": 19}
